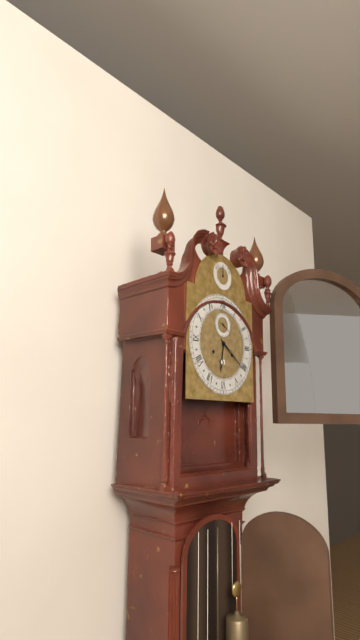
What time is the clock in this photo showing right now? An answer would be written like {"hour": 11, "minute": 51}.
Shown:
{"hour": 6, "minute": 21}
